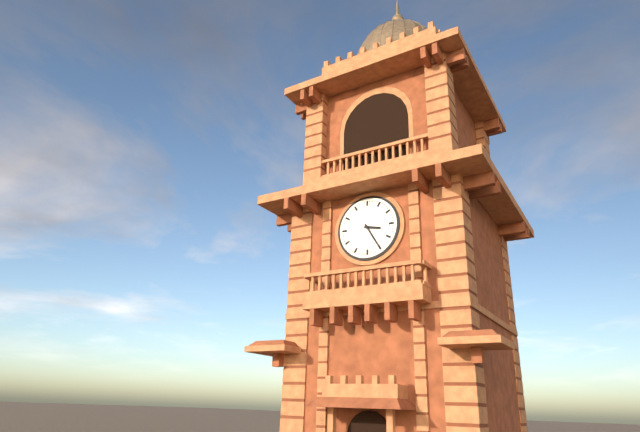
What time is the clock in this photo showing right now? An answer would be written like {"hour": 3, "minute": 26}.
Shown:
{"hour": 3, "minute": 25}
